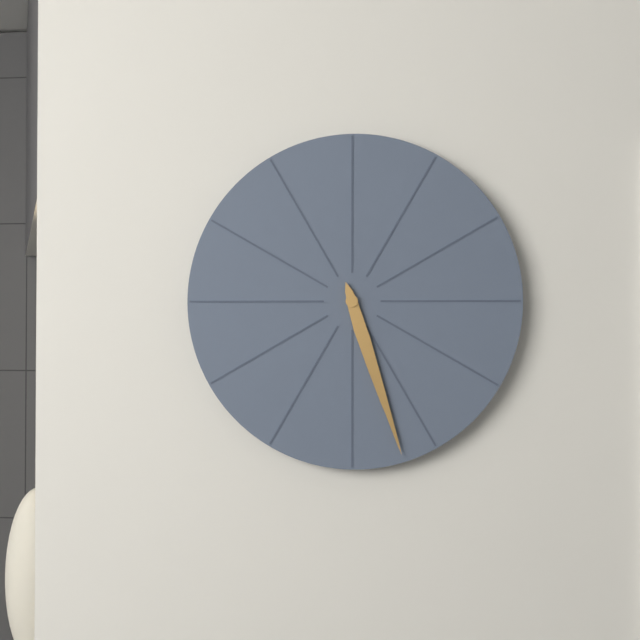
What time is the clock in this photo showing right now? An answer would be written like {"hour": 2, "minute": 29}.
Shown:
{"hour": 5, "minute": 27}
